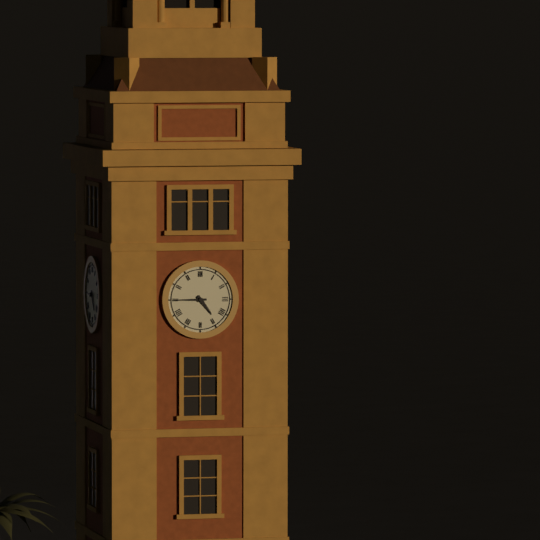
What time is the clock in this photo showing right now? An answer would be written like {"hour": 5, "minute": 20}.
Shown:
{"hour": 4, "minute": 45}
